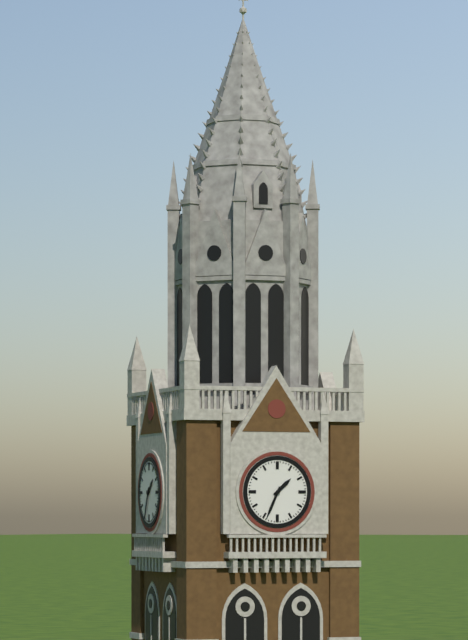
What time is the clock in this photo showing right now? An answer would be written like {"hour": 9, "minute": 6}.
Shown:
{"hour": 1, "minute": 34}
